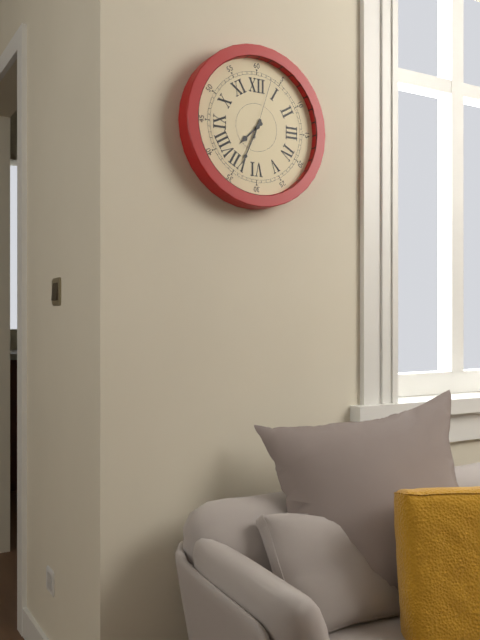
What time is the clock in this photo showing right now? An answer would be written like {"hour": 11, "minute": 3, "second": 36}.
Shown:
{"hour": 7, "minute": 34, "second": 3}
